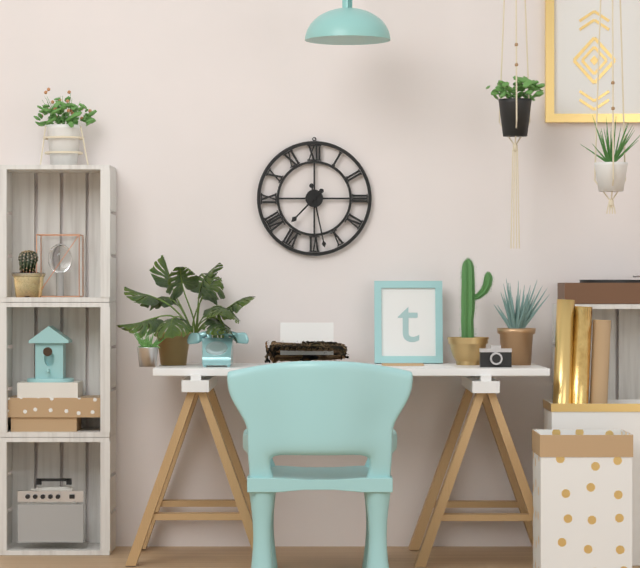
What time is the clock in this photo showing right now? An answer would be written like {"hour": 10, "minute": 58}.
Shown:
{"hour": 7, "minute": 28}
